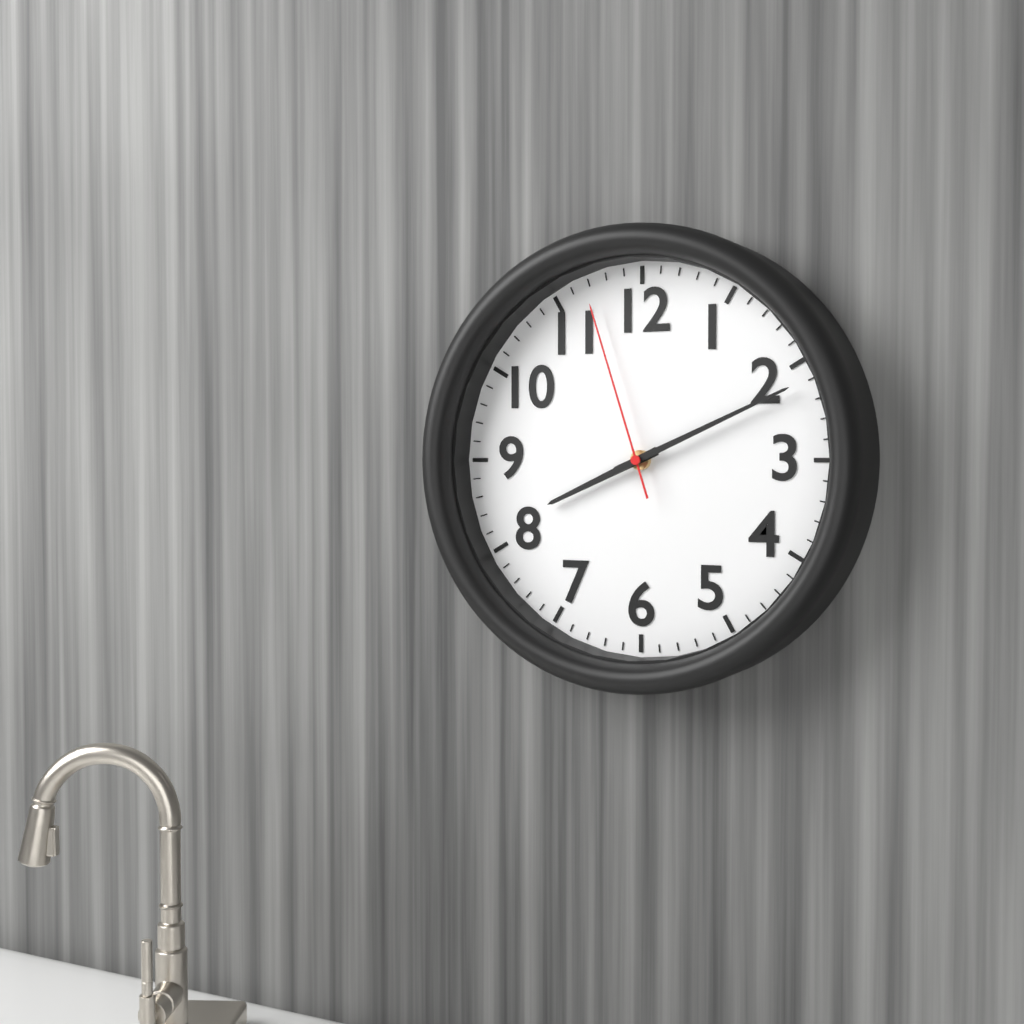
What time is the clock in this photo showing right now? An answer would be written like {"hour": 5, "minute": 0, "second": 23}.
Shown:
{"hour": 8, "minute": 11, "second": 57}
